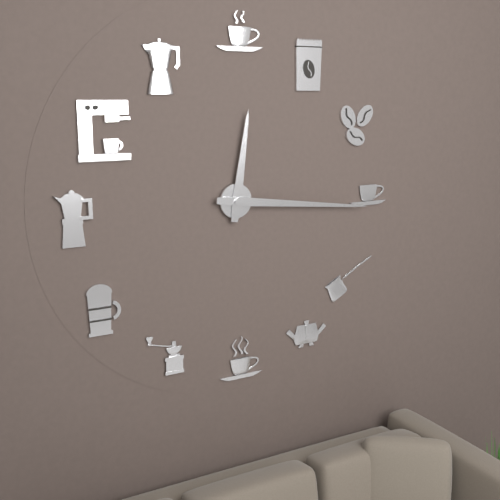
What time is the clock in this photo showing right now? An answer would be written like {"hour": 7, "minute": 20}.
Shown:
{"hour": 12, "minute": 16}
